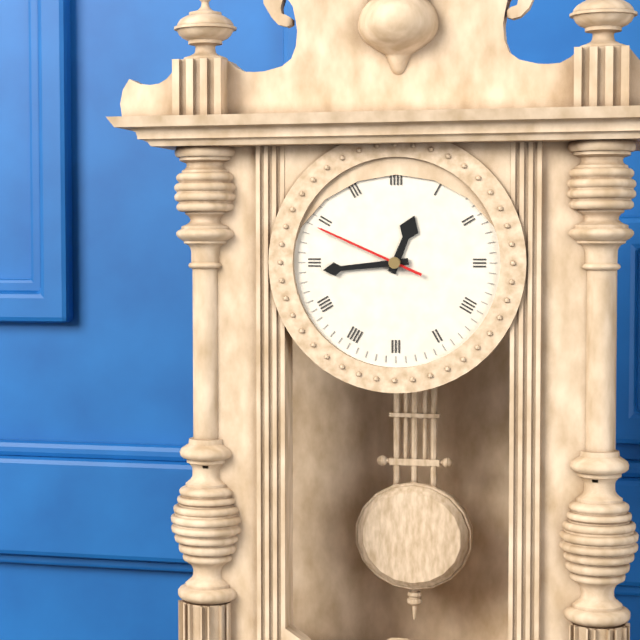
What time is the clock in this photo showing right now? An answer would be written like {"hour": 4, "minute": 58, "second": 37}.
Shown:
{"hour": 12, "minute": 44, "second": 49}
